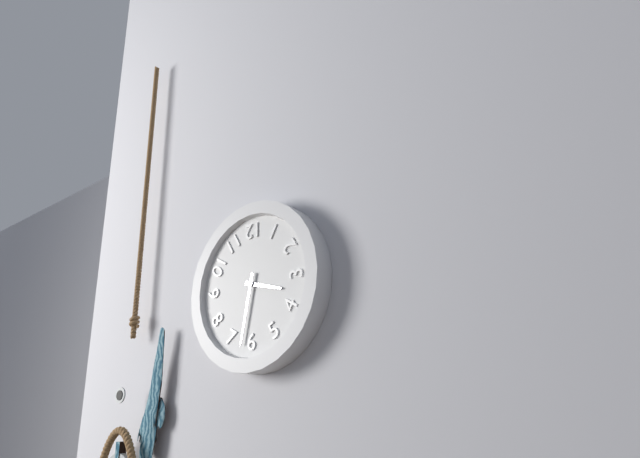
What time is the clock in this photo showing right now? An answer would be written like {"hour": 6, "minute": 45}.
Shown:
{"hour": 3, "minute": 32}
